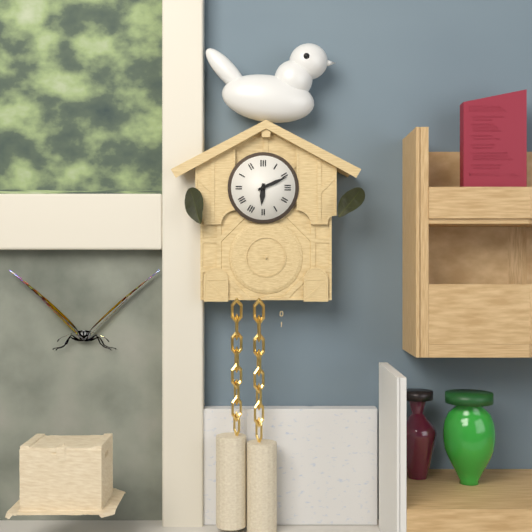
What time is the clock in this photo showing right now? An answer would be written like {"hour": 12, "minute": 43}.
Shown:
{"hour": 6, "minute": 11}
